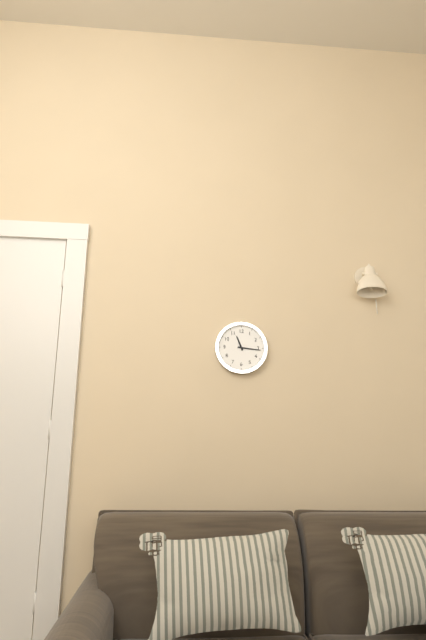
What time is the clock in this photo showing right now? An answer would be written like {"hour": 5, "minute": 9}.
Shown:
{"hour": 11, "minute": 16}
